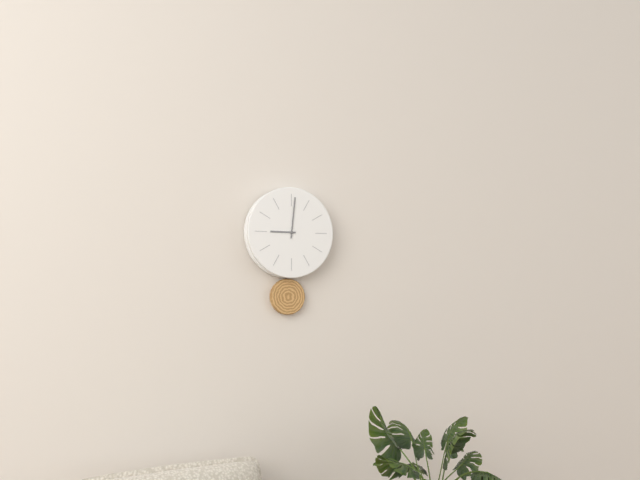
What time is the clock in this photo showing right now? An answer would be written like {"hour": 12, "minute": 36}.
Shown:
{"hour": 9, "minute": 1}
